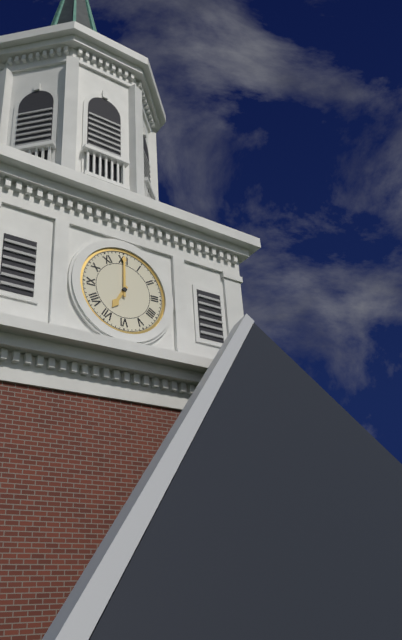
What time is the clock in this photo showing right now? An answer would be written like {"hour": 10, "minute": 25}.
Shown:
{"hour": 7, "minute": 0}
